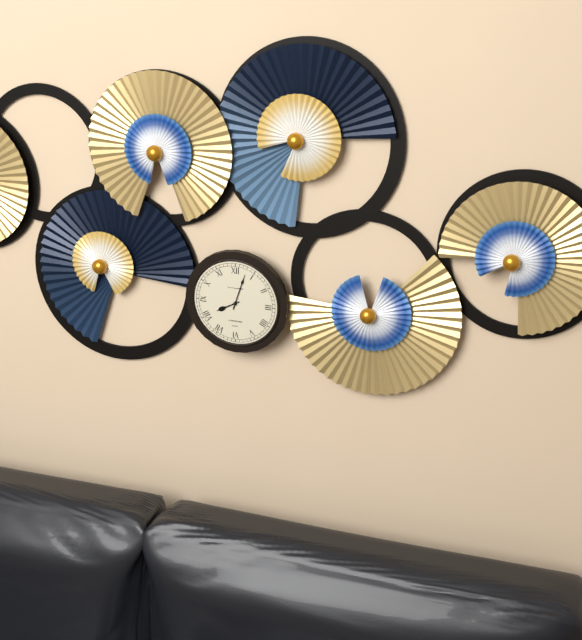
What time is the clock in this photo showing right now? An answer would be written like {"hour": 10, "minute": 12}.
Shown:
{"hour": 8, "minute": 3}
